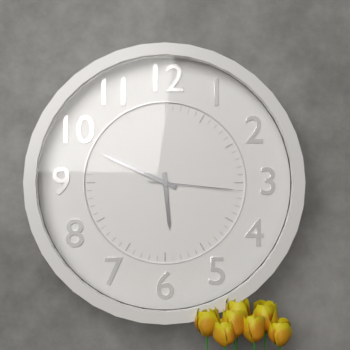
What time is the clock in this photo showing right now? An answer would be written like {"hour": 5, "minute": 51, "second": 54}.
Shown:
{"hour": 5, "minute": 49, "second": 16}
